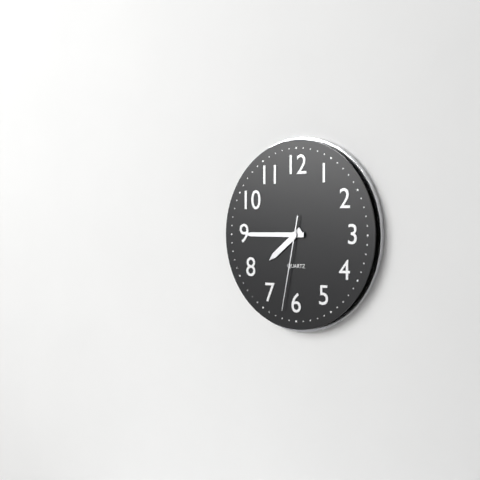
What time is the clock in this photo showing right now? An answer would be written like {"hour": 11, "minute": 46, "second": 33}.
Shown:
{"hour": 7, "minute": 45, "second": 32}
